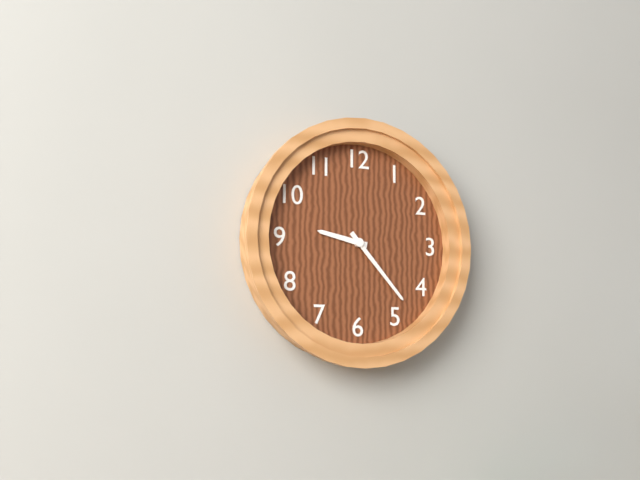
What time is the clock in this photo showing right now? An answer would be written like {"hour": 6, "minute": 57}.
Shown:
{"hour": 9, "minute": 23}
